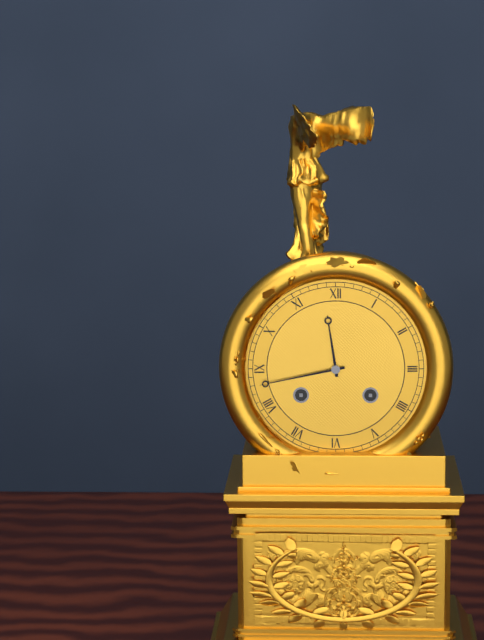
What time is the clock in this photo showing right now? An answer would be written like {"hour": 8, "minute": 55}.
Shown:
{"hour": 11, "minute": 43}
